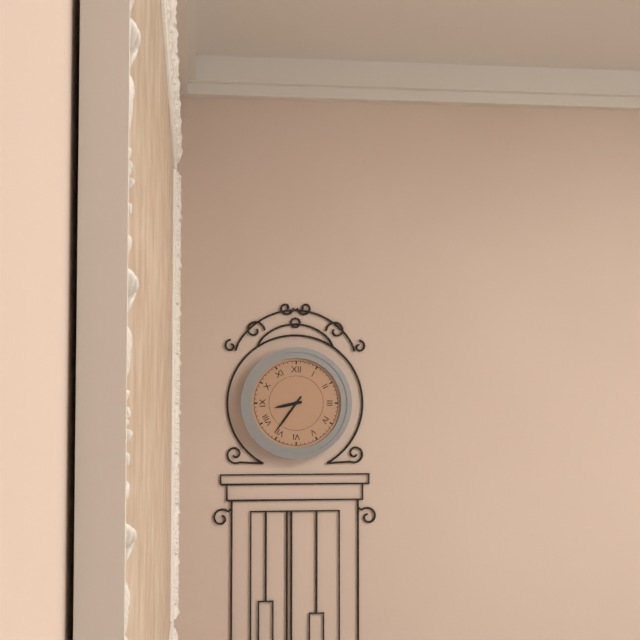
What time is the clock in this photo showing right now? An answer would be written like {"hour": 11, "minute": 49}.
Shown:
{"hour": 8, "minute": 36}
